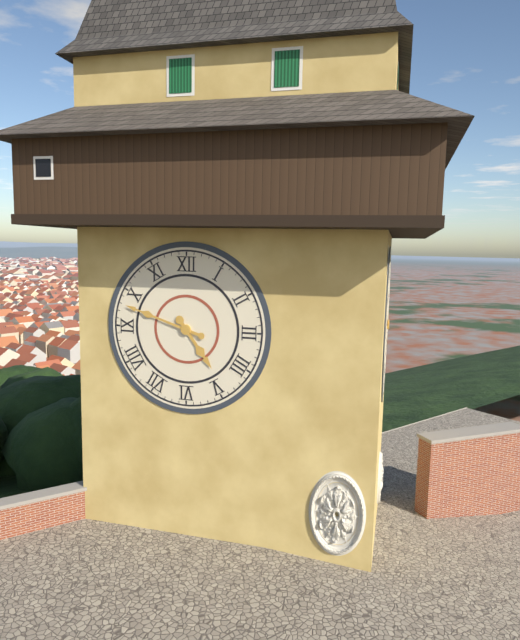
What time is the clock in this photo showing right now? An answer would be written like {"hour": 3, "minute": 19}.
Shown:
{"hour": 4, "minute": 48}
